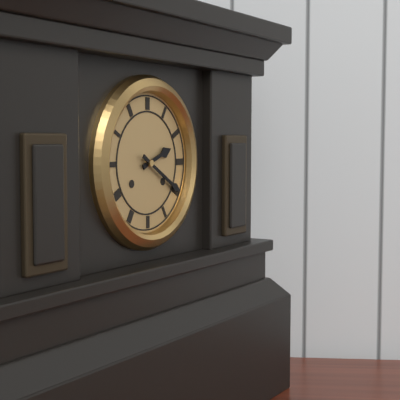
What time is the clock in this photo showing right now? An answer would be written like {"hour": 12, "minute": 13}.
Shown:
{"hour": 2, "minute": 20}
